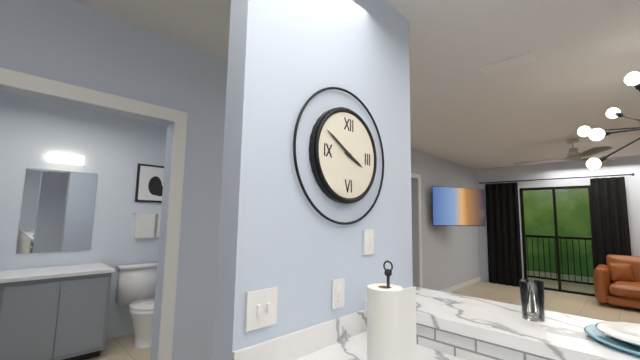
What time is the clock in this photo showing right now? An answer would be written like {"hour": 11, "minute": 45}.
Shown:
{"hour": 3, "minute": 50}
